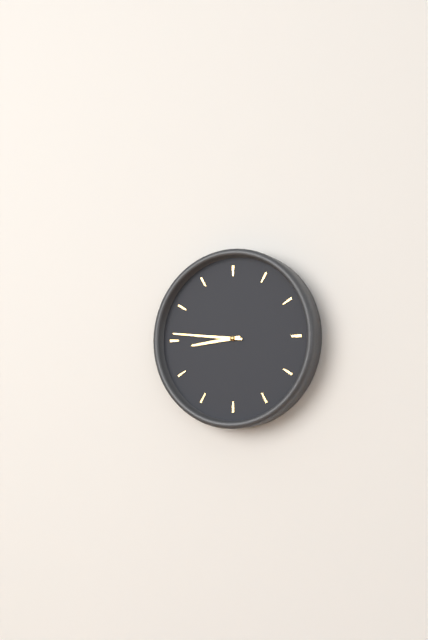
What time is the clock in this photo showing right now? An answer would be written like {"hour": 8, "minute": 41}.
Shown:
{"hour": 8, "minute": 46}
